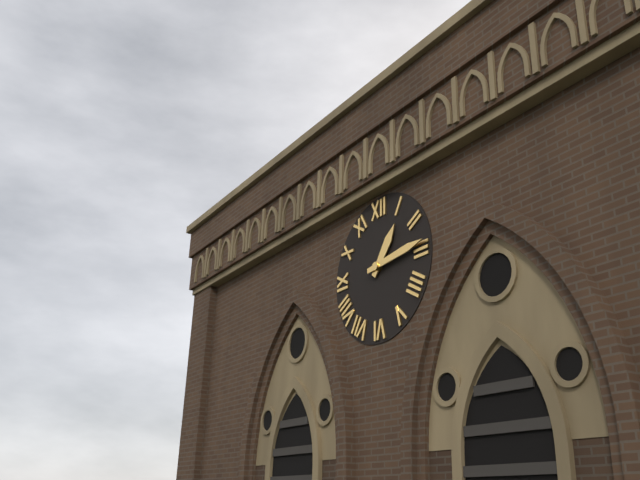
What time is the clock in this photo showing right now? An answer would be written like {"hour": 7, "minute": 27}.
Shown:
{"hour": 1, "minute": 14}
